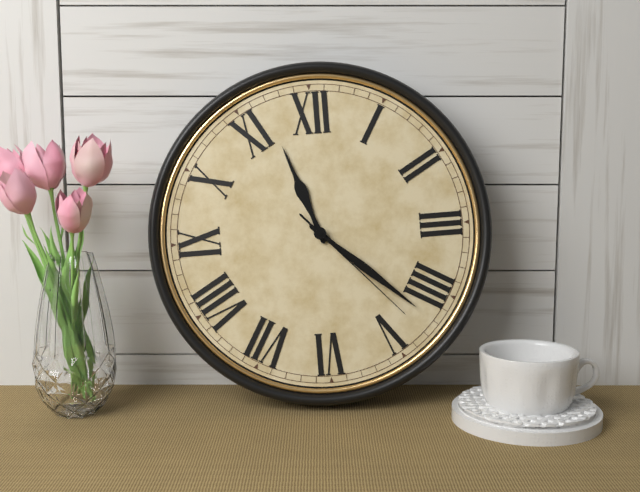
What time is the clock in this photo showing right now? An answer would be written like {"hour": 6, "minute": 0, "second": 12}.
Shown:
{"hour": 11, "minute": 22, "second": 23}
